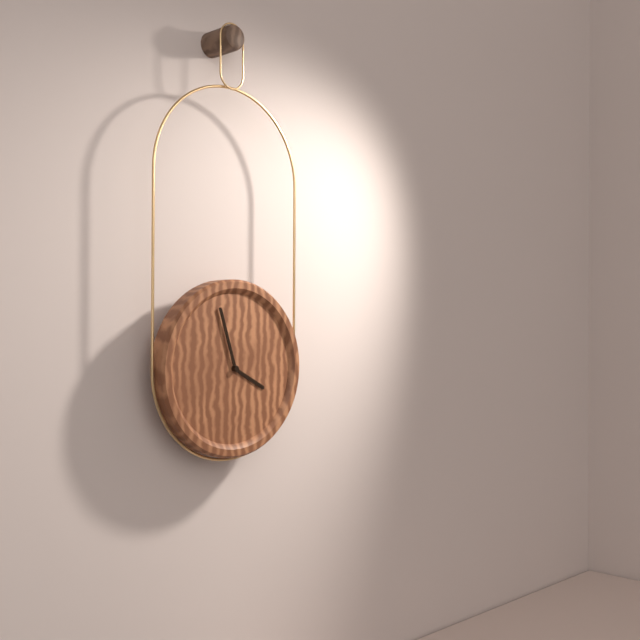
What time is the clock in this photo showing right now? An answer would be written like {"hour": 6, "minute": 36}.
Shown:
{"hour": 3, "minute": 57}
